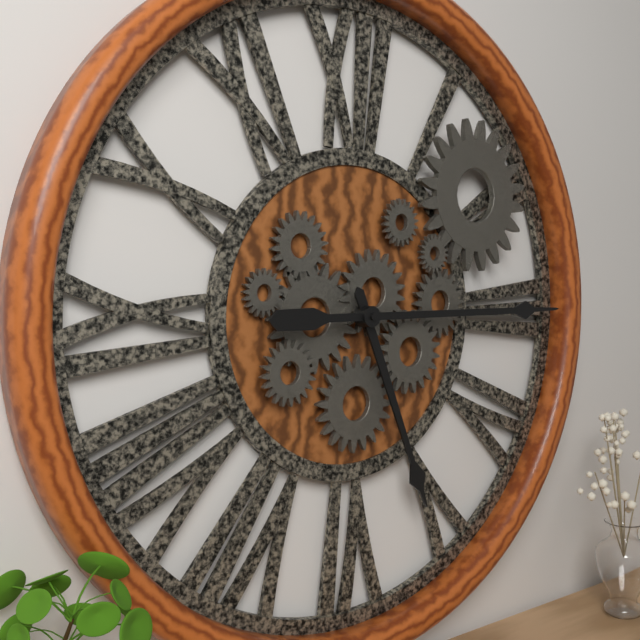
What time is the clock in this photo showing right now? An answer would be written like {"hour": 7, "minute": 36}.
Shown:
{"hour": 5, "minute": 15}
